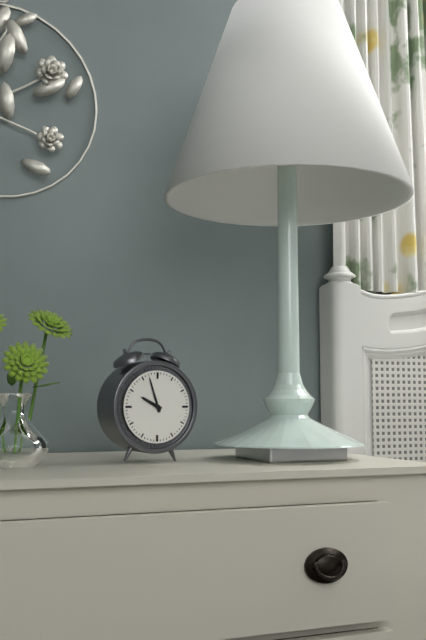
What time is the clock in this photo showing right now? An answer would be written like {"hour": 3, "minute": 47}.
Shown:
{"hour": 9, "minute": 57}
